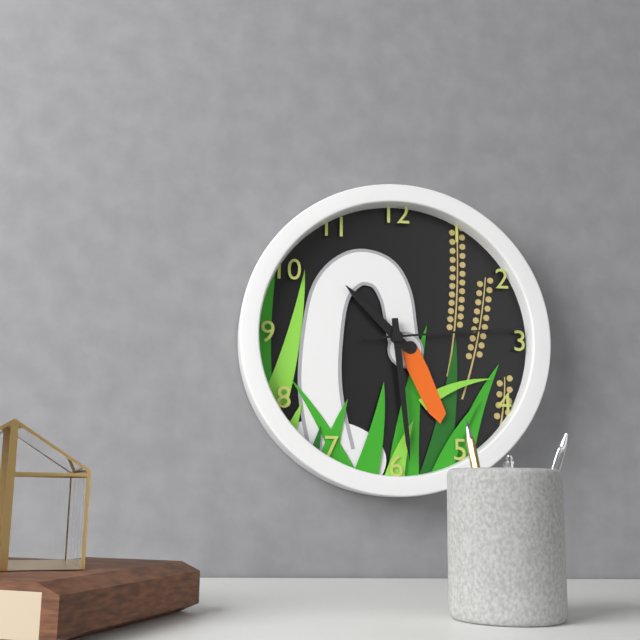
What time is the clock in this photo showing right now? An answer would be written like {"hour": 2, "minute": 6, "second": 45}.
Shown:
{"hour": 10, "minute": 29, "second": 14}
